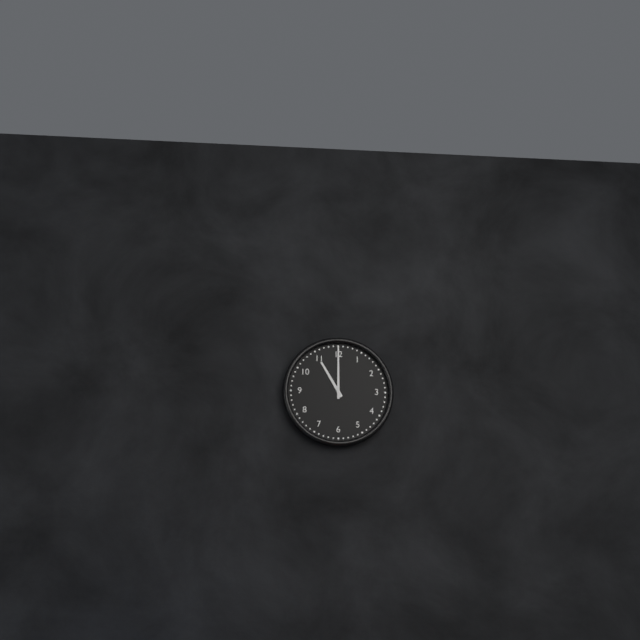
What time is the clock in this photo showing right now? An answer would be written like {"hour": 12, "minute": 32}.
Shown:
{"hour": 11, "minute": 0}
